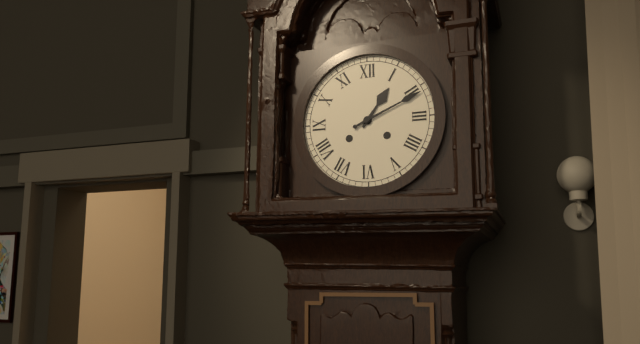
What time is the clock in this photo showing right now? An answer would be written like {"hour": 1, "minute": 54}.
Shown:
{"hour": 1, "minute": 11}
